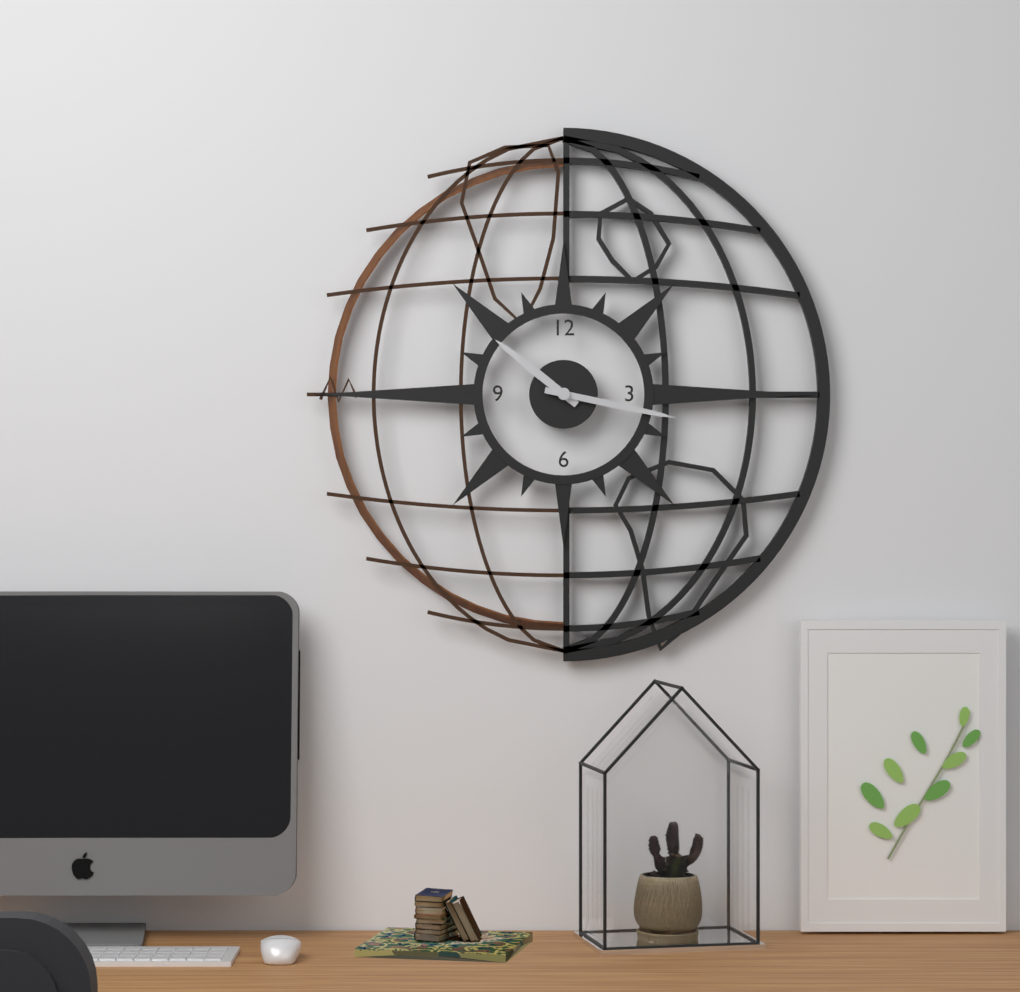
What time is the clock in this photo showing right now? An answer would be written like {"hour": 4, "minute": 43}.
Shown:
{"hour": 10, "minute": 17}
